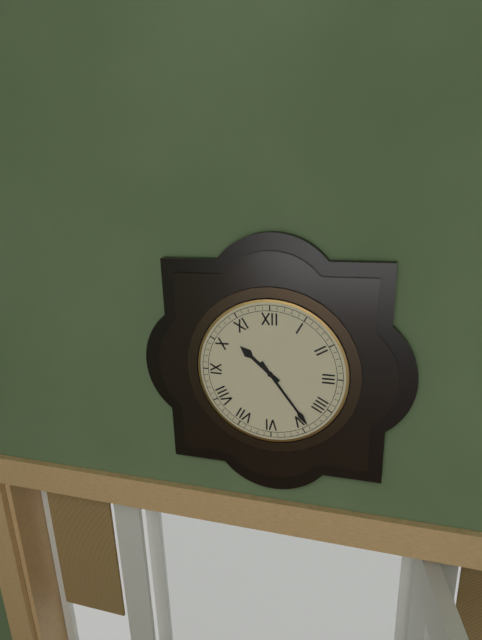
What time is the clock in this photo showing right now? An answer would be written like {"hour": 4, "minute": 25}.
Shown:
{"hour": 10, "minute": 24}
